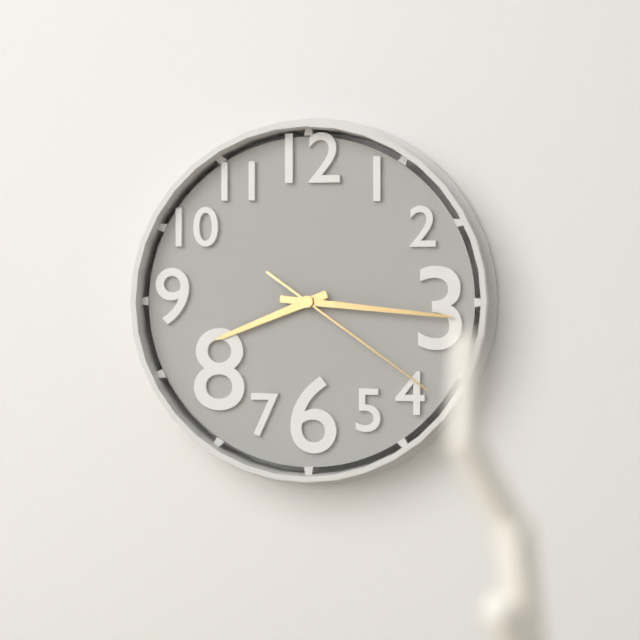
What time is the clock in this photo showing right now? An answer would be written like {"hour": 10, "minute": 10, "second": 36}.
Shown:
{"hour": 8, "minute": 16, "second": 21}
